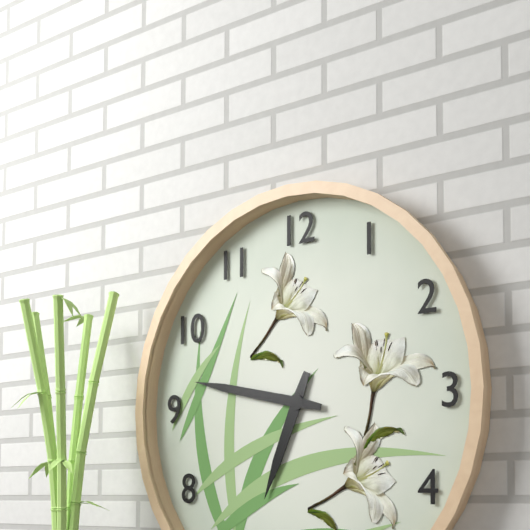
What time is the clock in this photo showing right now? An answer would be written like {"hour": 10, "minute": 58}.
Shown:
{"hour": 6, "minute": 47}
